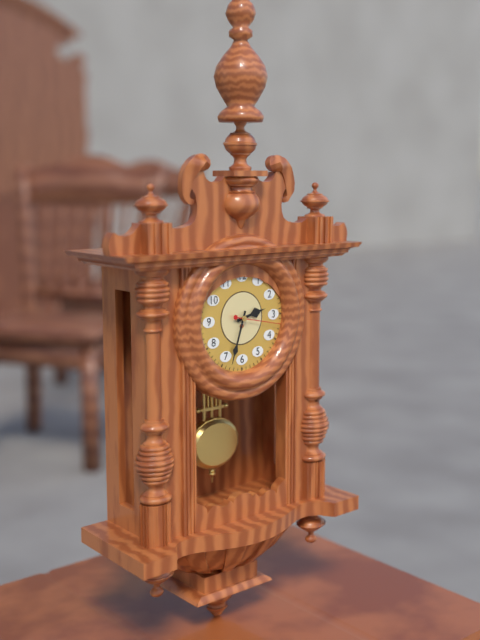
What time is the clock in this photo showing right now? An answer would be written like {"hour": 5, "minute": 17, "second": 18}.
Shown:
{"hour": 2, "minute": 33, "second": 17}
